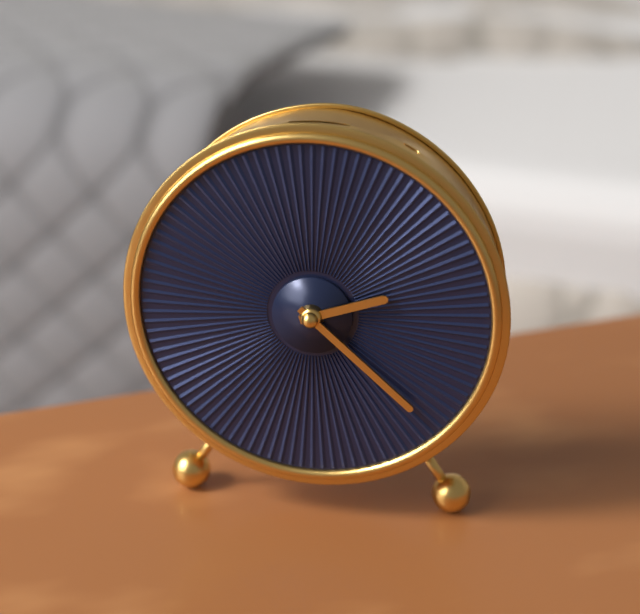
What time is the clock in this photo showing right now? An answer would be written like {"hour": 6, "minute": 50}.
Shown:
{"hour": 2, "minute": 22}
